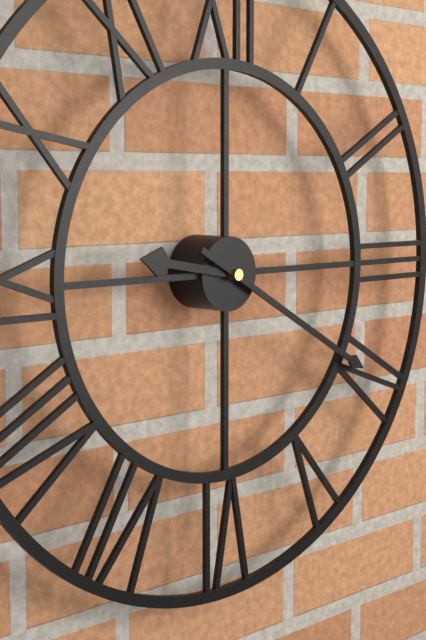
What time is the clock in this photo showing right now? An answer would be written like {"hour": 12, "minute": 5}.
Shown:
{"hour": 9, "minute": 20}
